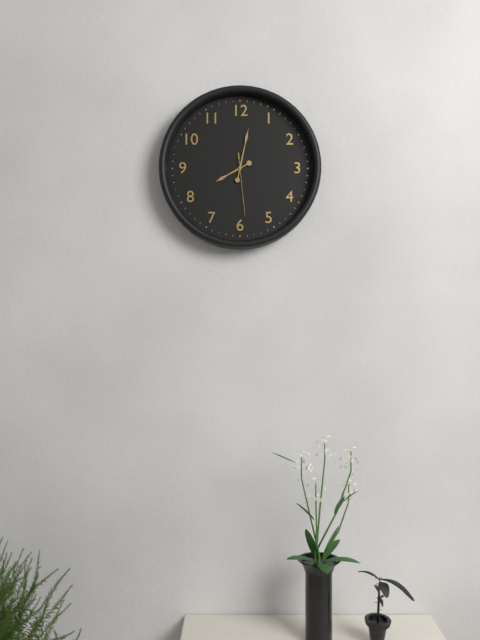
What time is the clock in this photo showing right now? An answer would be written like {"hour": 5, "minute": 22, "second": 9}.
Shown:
{"hour": 8, "minute": 2, "second": 29}
